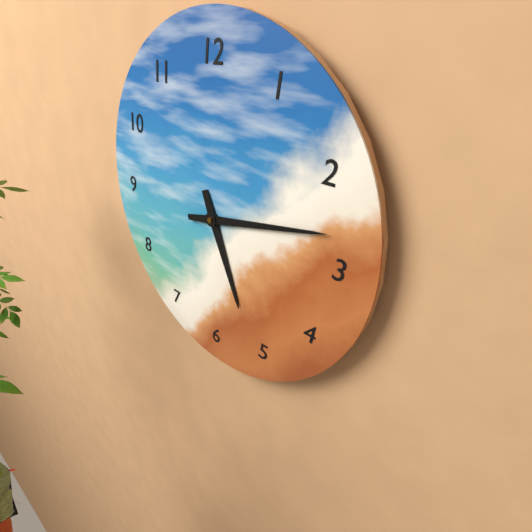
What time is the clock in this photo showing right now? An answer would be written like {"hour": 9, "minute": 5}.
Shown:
{"hour": 5, "minute": 13}
